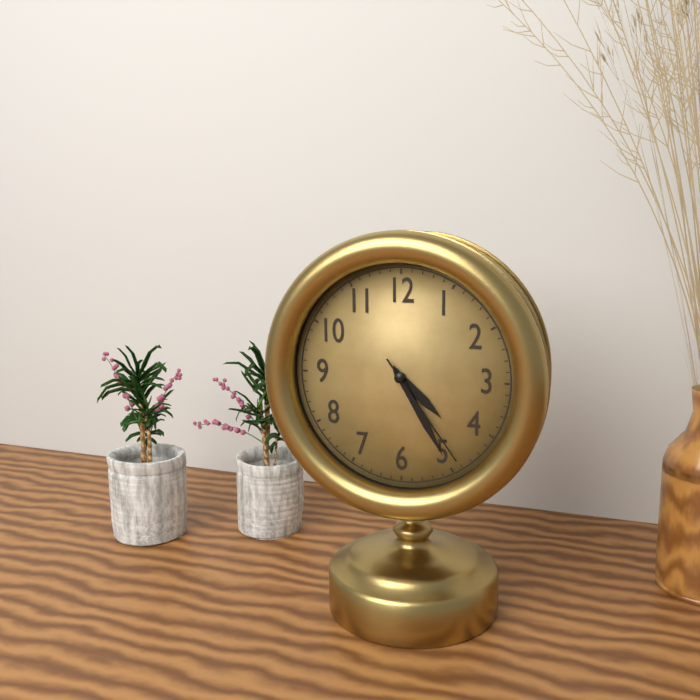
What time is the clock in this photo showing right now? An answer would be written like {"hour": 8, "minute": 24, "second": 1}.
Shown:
{"hour": 4, "minute": 25, "second": 24}
